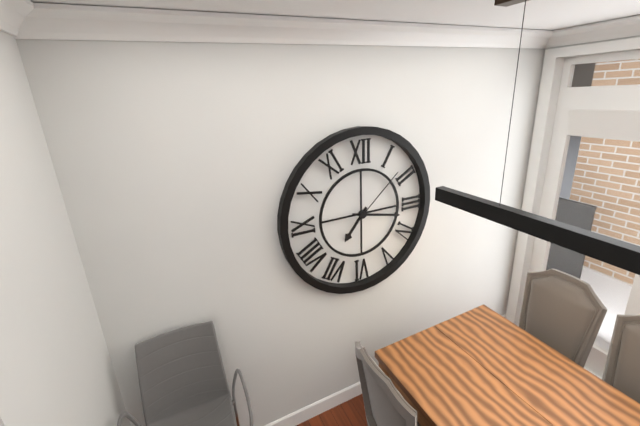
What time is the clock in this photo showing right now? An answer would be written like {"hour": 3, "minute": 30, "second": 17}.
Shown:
{"hour": 7, "minute": 17, "second": 8}
